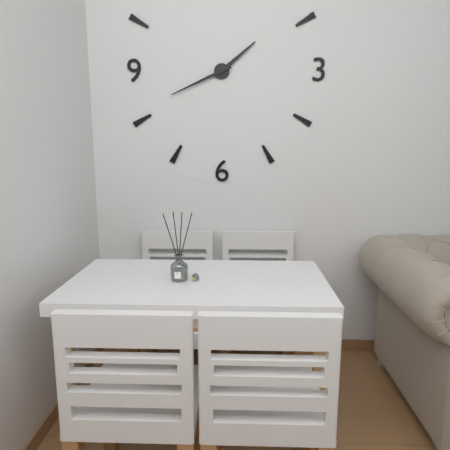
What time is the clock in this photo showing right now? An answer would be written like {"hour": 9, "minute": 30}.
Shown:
{"hour": 1, "minute": 41}
